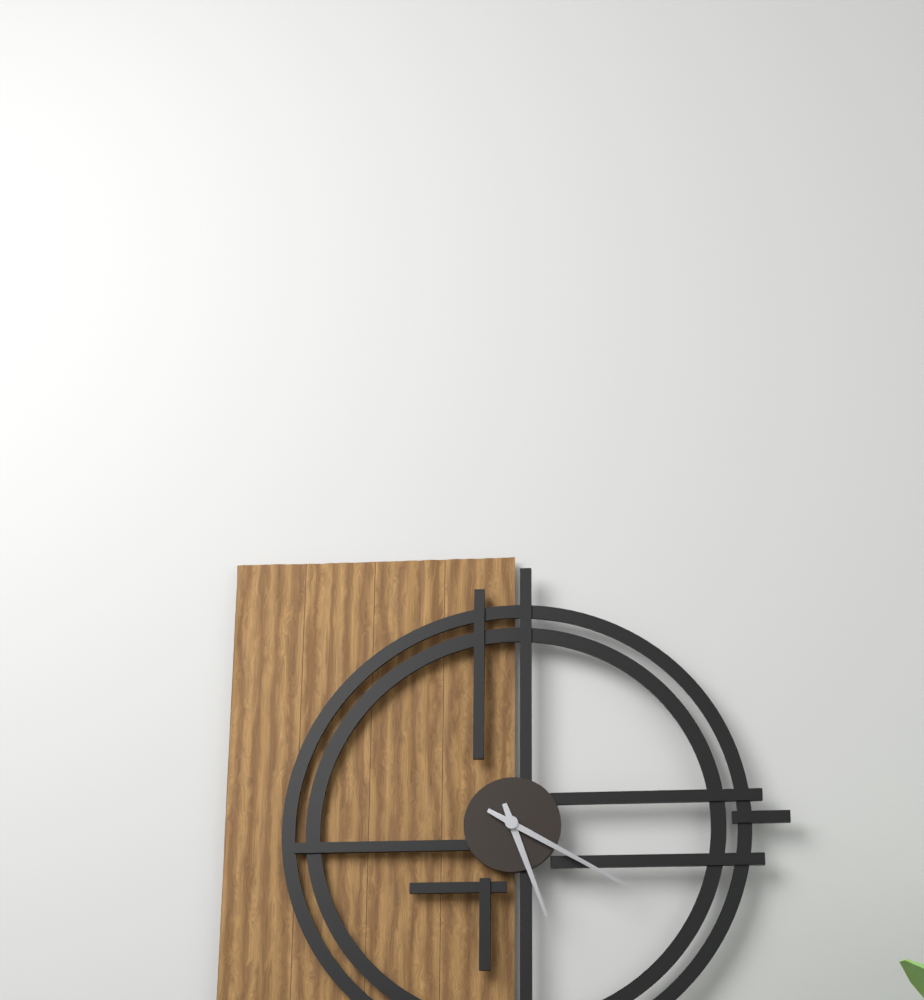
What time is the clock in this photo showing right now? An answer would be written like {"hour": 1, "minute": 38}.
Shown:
{"hour": 5, "minute": 20}
